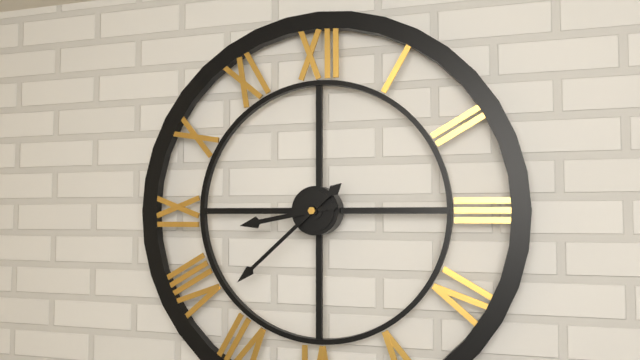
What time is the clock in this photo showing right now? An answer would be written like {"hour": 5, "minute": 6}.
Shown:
{"hour": 8, "minute": 38}
